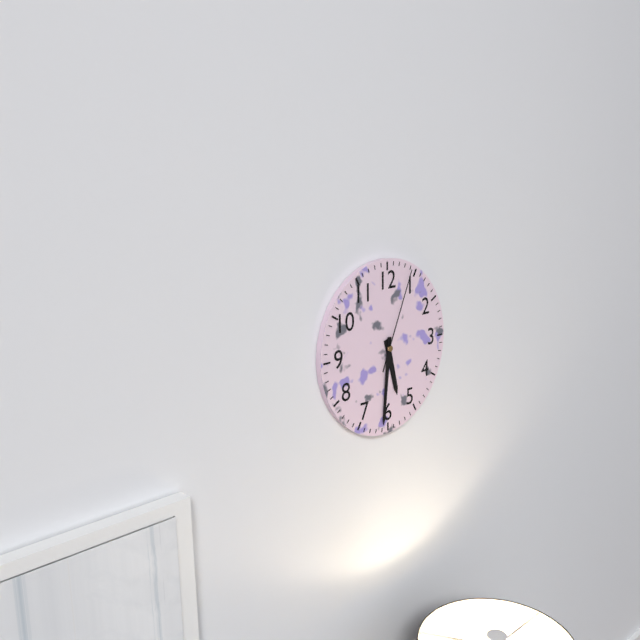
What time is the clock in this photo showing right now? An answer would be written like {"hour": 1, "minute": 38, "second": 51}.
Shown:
{"hour": 5, "minute": 31, "second": 4}
